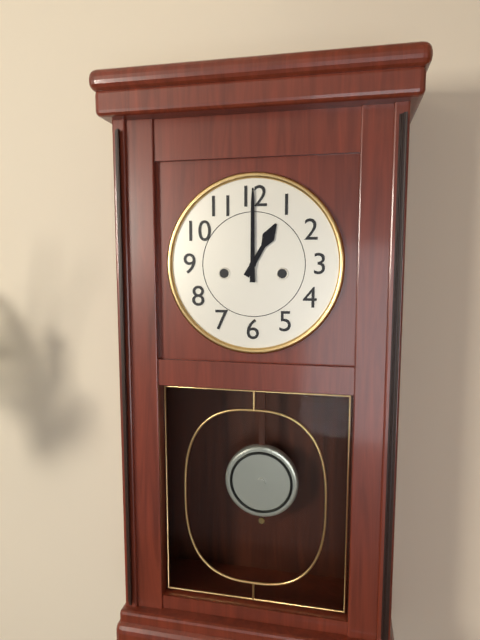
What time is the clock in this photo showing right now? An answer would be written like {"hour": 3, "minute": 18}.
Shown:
{"hour": 1, "minute": 0}
